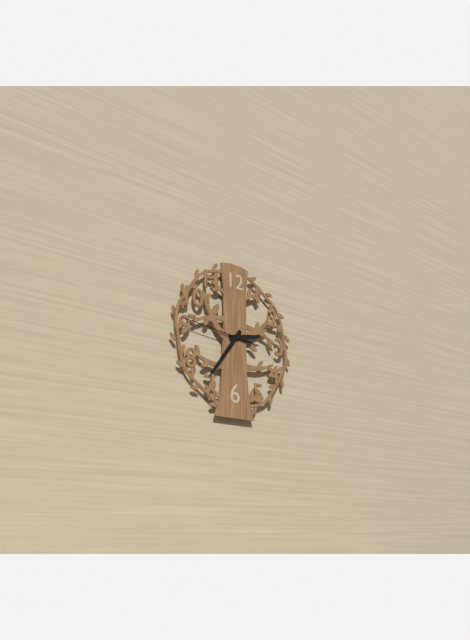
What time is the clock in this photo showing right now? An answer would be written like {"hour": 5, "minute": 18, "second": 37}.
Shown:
{"hour": 2, "minute": 36, "second": 46}
